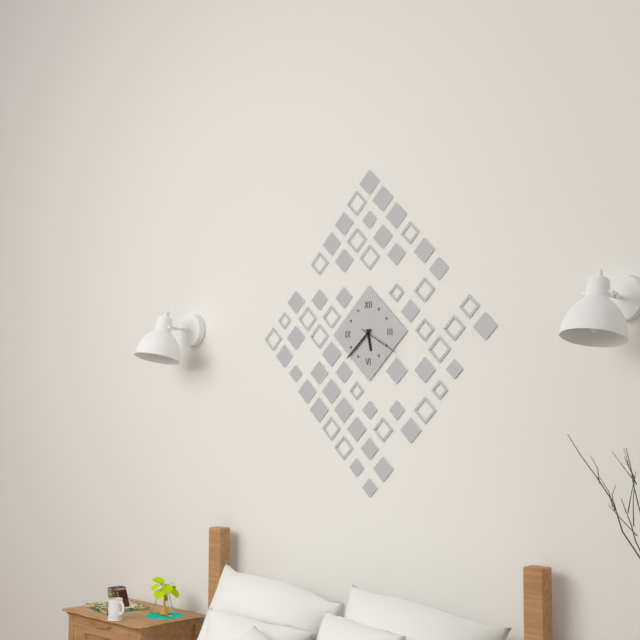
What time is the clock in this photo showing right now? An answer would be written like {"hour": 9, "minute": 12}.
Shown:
{"hour": 5, "minute": 38}
